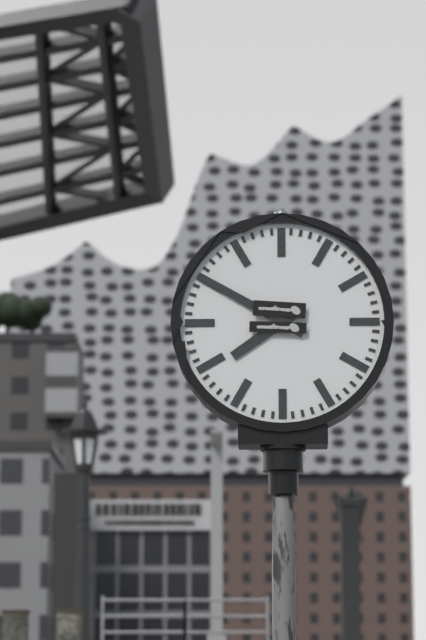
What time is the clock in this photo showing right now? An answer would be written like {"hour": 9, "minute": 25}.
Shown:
{"hour": 7, "minute": 50}
